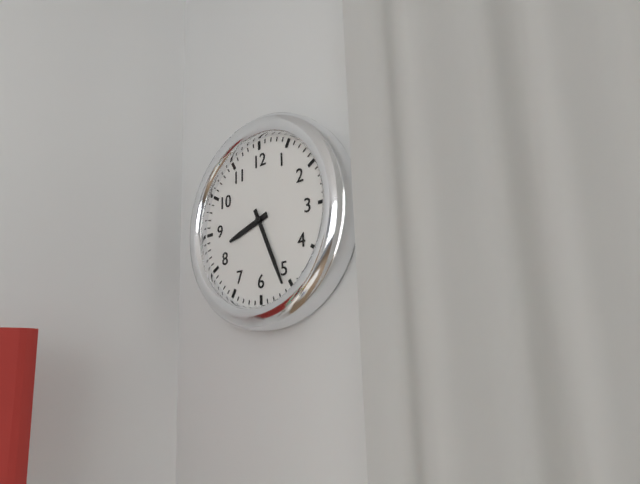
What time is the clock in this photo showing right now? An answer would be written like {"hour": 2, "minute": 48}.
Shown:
{"hour": 8, "minute": 26}
